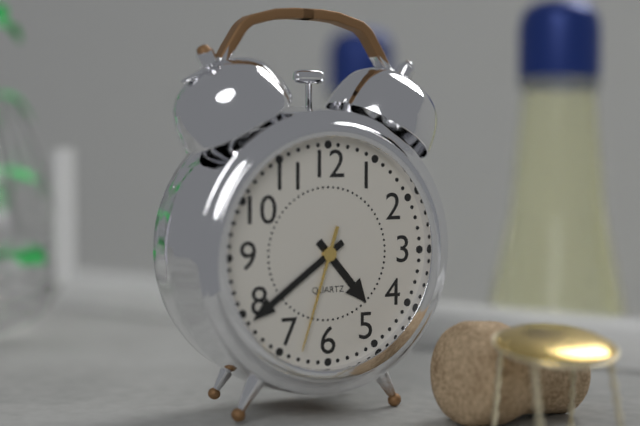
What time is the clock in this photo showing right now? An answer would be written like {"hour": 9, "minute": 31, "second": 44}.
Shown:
{"hour": 4, "minute": 39, "second": 33}
